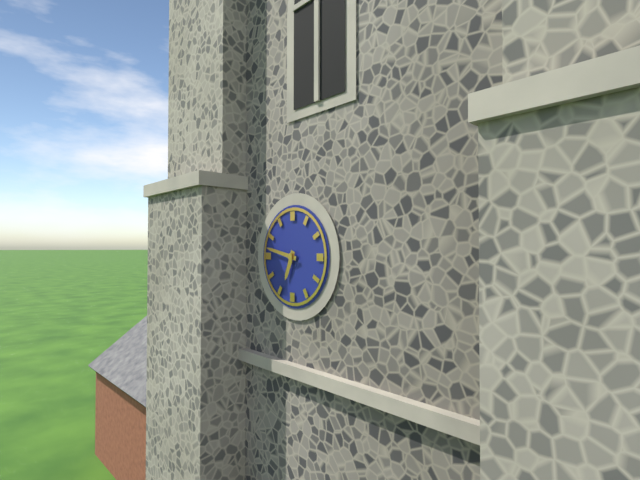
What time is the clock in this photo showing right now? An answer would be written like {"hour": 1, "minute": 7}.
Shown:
{"hour": 6, "minute": 47}
